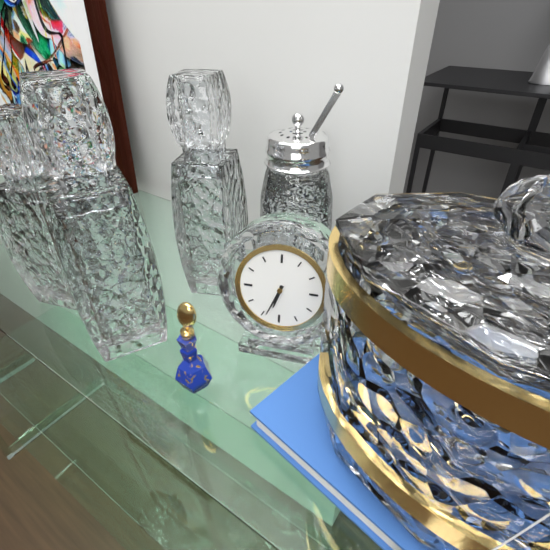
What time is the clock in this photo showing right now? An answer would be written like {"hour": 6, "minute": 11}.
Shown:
{"hour": 6, "minute": 34}
